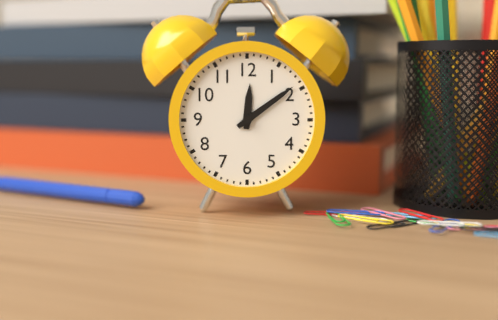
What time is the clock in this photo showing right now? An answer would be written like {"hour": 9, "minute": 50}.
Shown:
{"hour": 12, "minute": 9}
